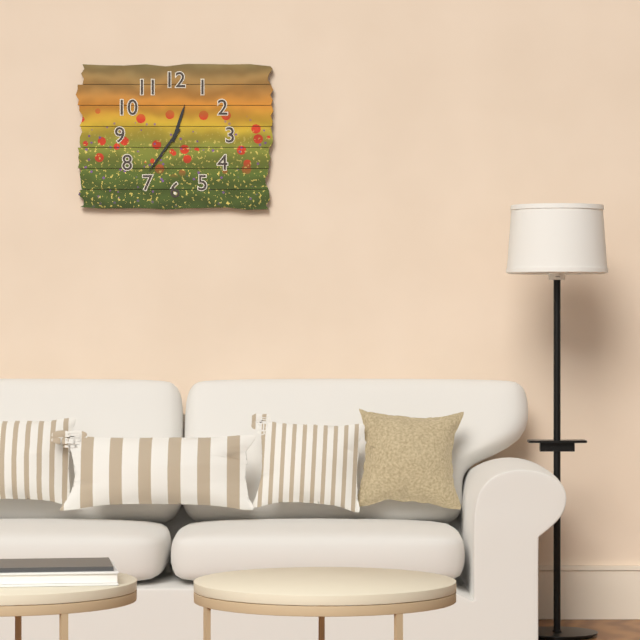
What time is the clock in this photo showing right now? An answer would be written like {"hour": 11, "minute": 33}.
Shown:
{"hour": 12, "minute": 36}
